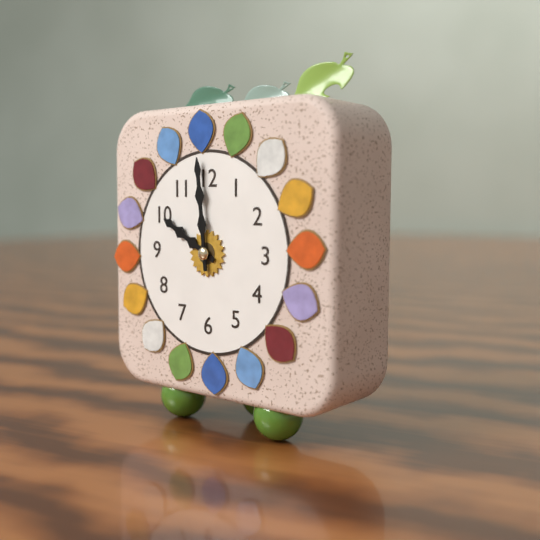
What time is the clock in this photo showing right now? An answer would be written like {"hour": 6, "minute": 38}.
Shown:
{"hour": 9, "minute": 59}
